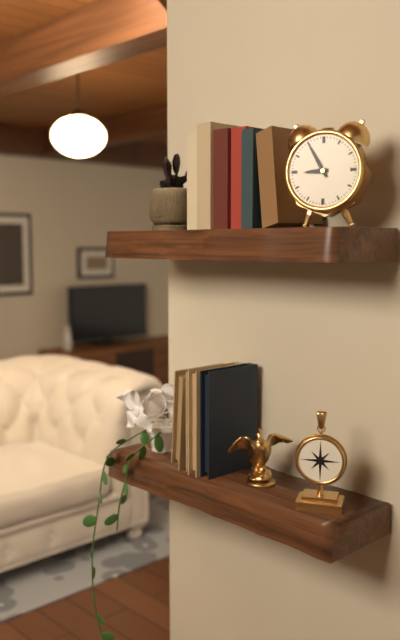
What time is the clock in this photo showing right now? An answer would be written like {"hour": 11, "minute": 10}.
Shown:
{"hour": 8, "minute": 55}
